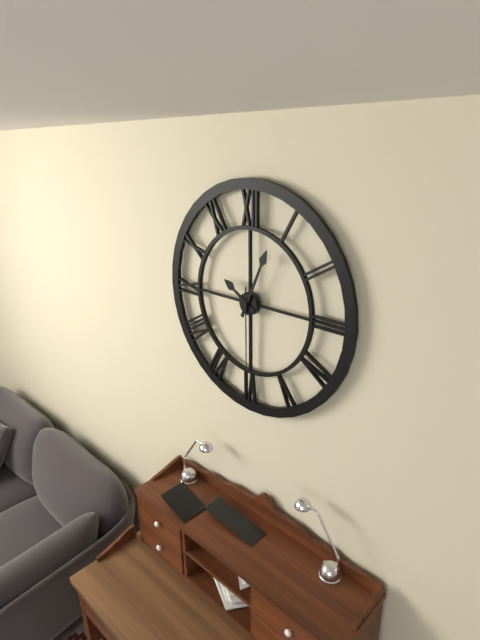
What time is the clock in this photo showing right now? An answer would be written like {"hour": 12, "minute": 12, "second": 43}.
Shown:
{"hour": 10, "minute": 4, "second": 30}
